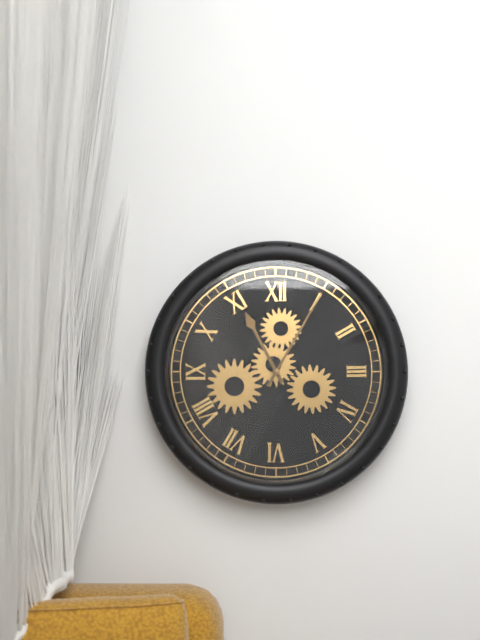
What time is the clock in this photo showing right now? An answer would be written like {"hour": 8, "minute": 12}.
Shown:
{"hour": 11, "minute": 5}
